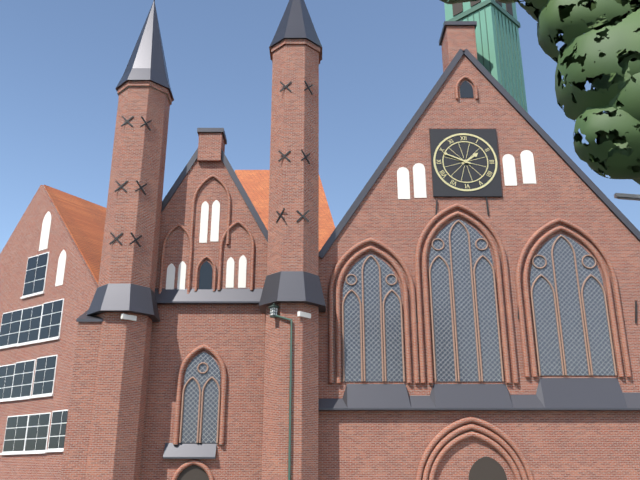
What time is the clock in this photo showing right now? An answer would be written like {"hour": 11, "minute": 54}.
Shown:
{"hour": 1, "minute": 49}
